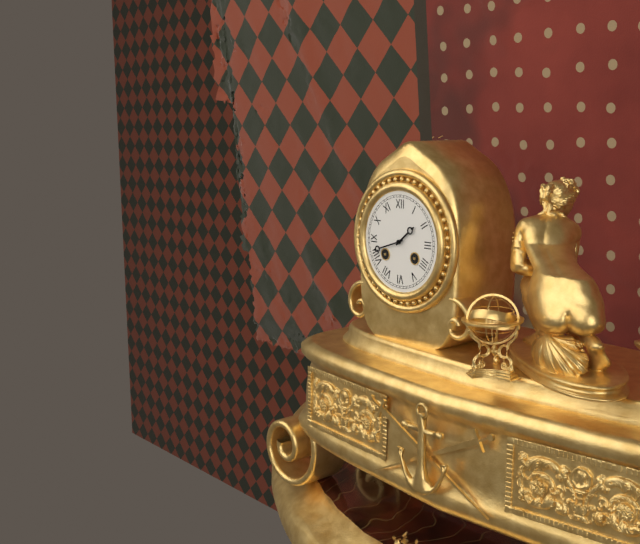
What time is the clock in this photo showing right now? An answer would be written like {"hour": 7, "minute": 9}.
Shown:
{"hour": 1, "minute": 42}
